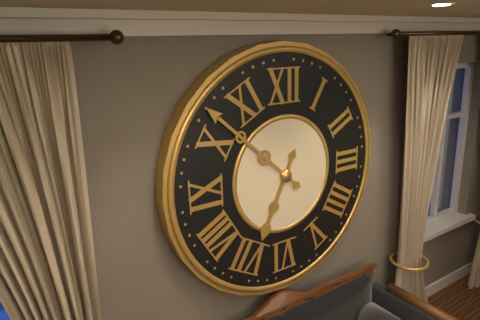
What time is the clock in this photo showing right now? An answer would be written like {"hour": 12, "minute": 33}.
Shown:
{"hour": 6, "minute": 52}
